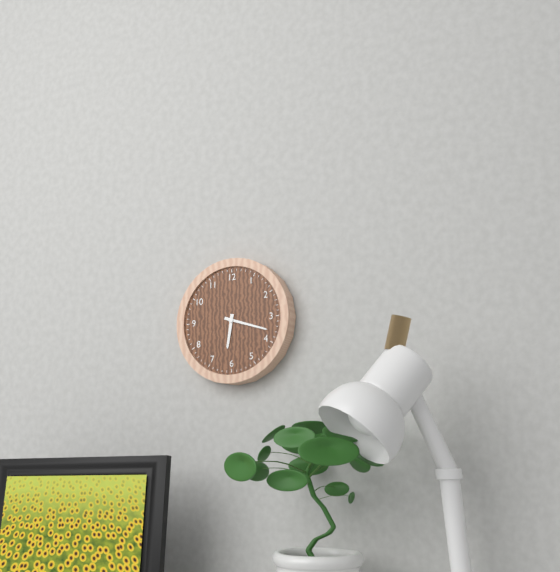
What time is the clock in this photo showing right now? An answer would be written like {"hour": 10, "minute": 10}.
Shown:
{"hour": 6, "minute": 18}
